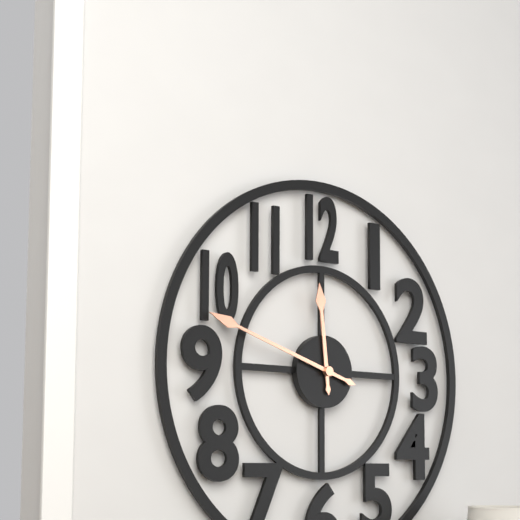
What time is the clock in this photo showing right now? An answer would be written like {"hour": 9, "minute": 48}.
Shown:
{"hour": 11, "minute": 48}
